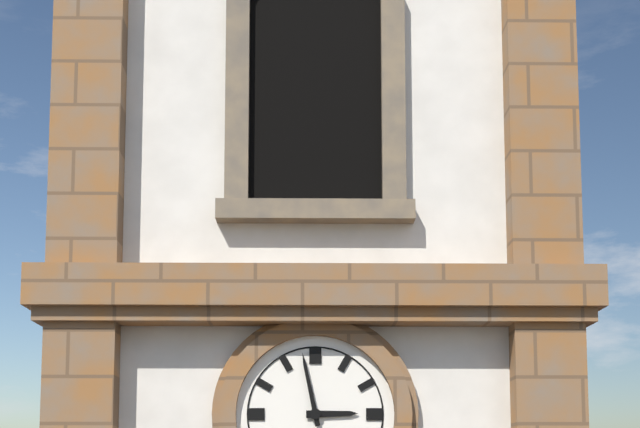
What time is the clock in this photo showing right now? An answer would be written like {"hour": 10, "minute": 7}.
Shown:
{"hour": 2, "minute": 58}
